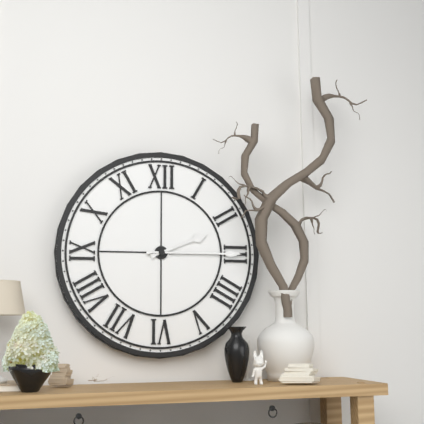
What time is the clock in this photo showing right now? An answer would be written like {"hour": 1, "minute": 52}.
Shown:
{"hour": 2, "minute": 15}
